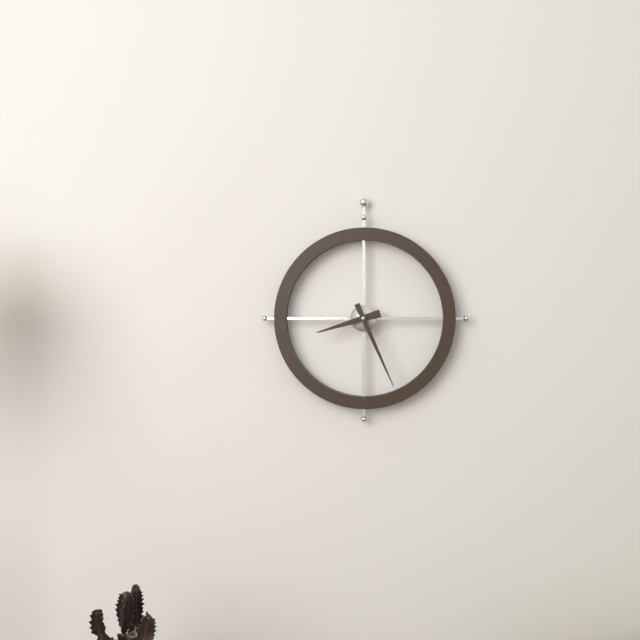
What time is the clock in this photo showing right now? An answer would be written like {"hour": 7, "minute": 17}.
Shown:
{"hour": 8, "minute": 26}
